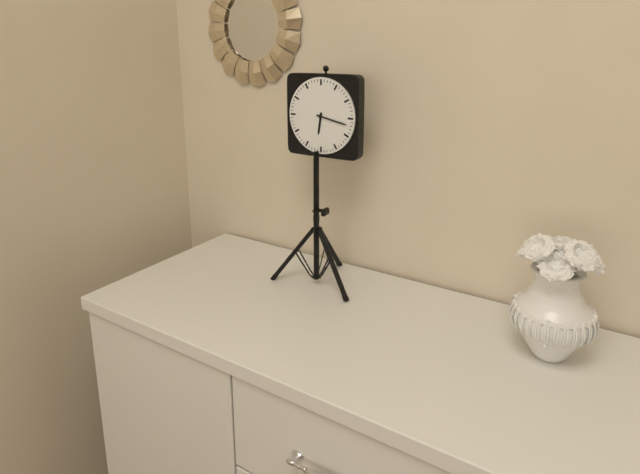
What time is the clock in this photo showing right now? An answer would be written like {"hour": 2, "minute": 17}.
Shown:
{"hour": 6, "minute": 17}
